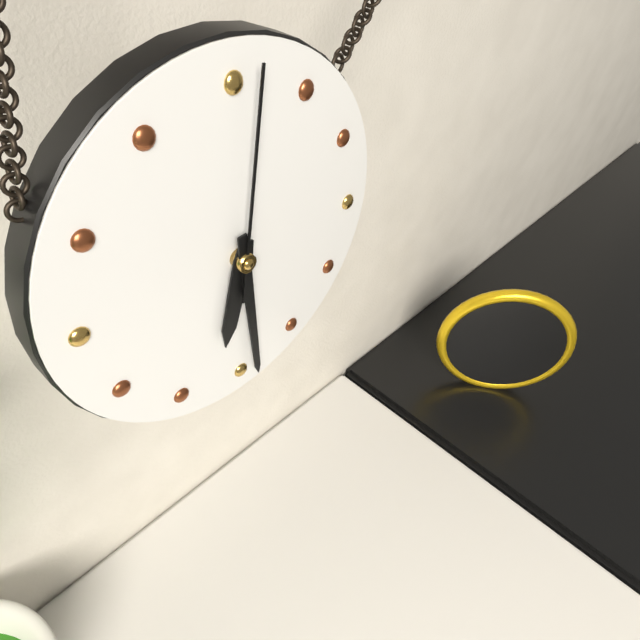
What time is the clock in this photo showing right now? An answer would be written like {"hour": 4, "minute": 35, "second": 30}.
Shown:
{"hour": 6, "minute": 29, "second": 1}
